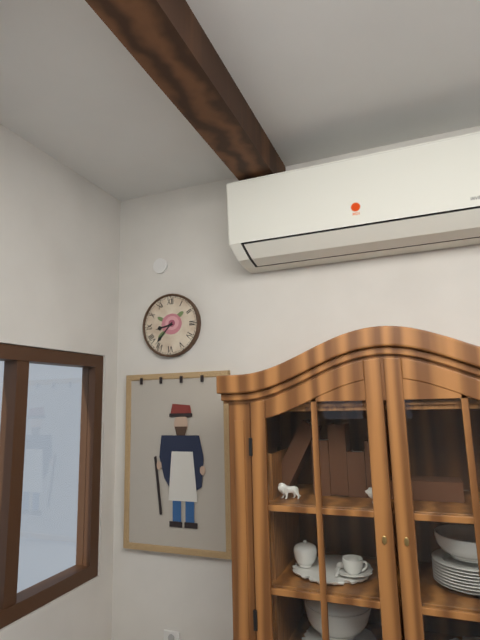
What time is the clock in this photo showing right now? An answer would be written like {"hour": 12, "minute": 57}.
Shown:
{"hour": 8, "minute": 37}
